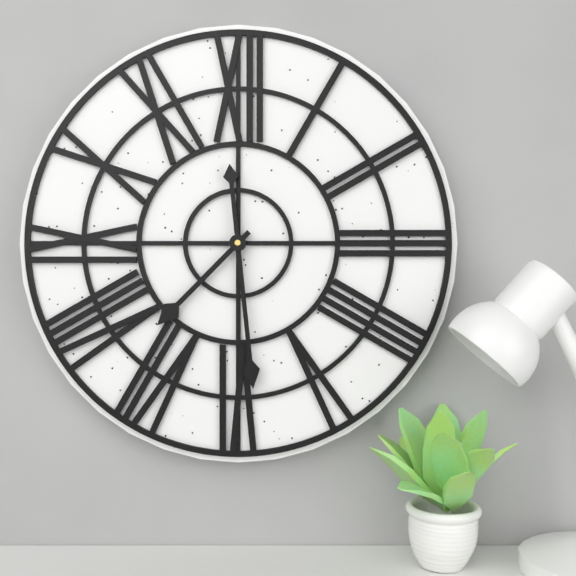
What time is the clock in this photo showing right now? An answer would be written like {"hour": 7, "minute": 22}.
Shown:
{"hour": 7, "minute": 29}
